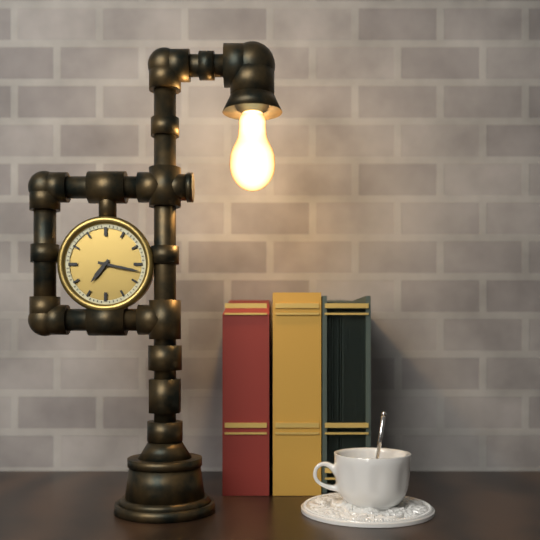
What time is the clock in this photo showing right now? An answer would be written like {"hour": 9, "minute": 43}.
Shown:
{"hour": 7, "minute": 17}
